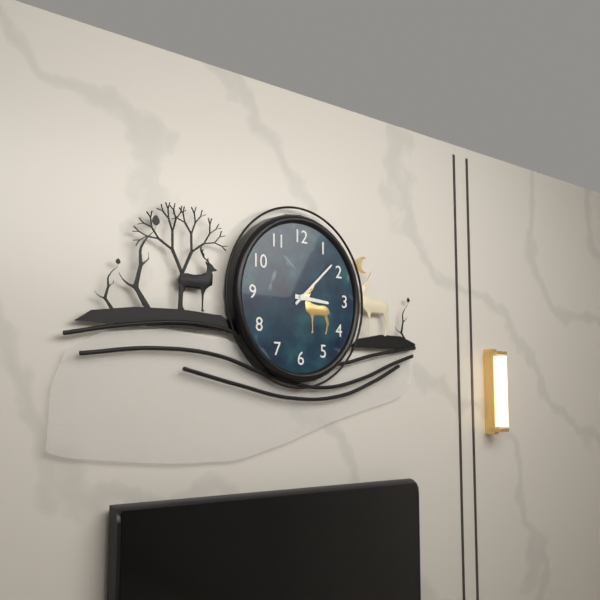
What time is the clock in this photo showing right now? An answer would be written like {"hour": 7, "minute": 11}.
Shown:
{"hour": 3, "minute": 8}
